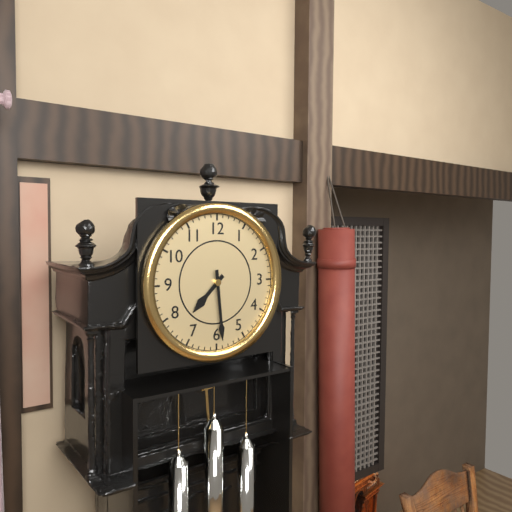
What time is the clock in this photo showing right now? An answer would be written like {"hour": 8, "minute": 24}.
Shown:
{"hour": 7, "minute": 29}
